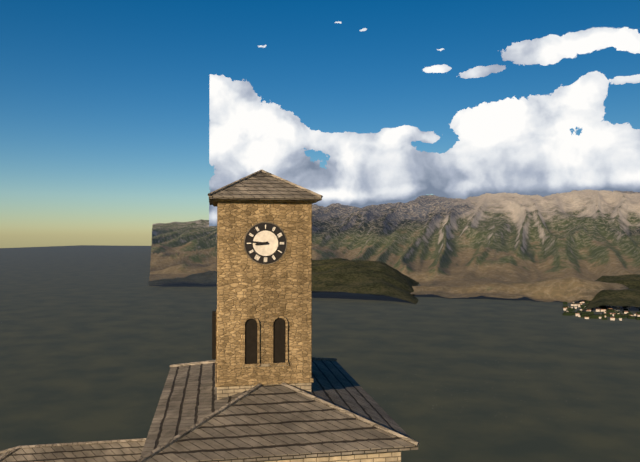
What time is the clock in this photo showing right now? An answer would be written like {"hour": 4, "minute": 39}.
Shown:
{"hour": 8, "minute": 46}
